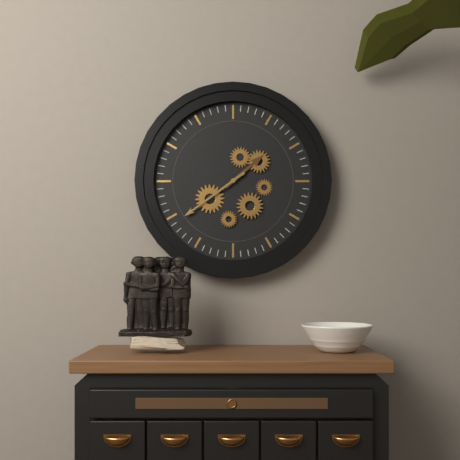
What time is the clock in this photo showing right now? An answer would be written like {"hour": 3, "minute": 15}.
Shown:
{"hour": 1, "minute": 39}
